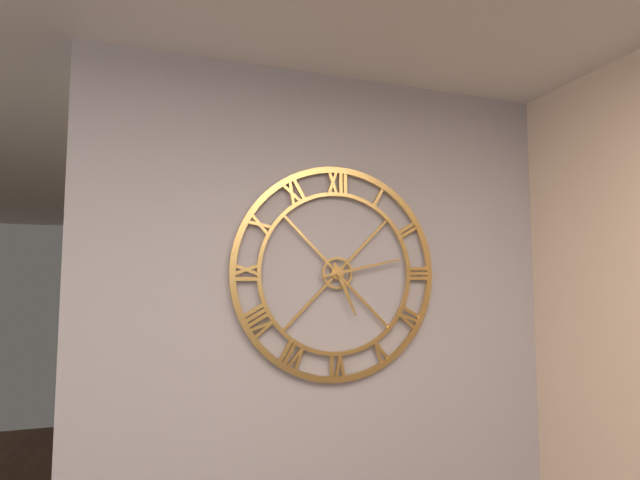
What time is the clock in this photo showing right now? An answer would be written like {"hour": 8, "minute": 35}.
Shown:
{"hour": 5, "minute": 13}
